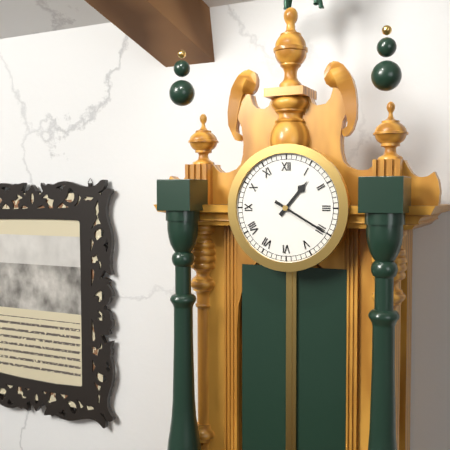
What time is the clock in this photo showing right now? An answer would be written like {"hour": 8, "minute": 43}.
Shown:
{"hour": 1, "minute": 20}
